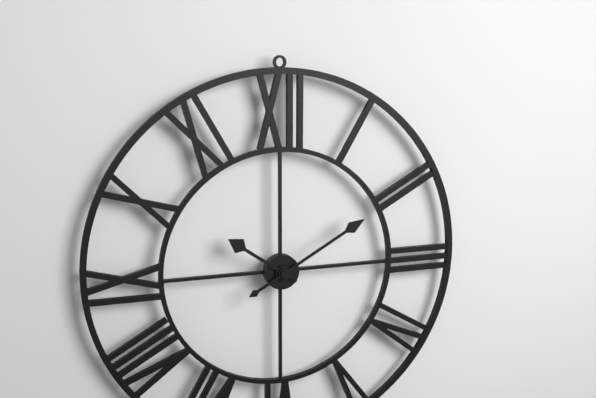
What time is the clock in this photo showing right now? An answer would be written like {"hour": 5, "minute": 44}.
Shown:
{"hour": 10, "minute": 10}
